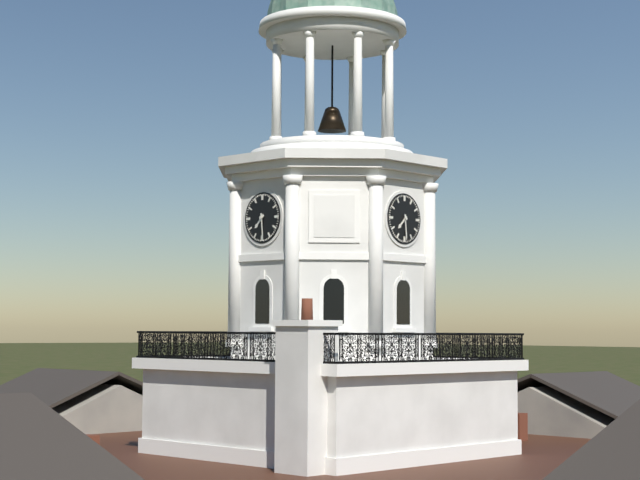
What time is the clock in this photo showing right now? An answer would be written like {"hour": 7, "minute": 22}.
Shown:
{"hour": 7, "minute": 29}
